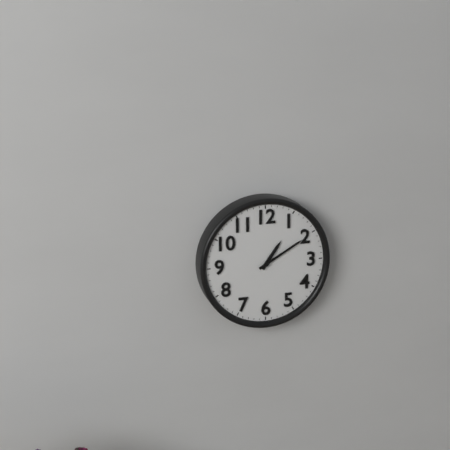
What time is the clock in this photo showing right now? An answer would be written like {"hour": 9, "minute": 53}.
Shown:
{"hour": 1, "minute": 10}
